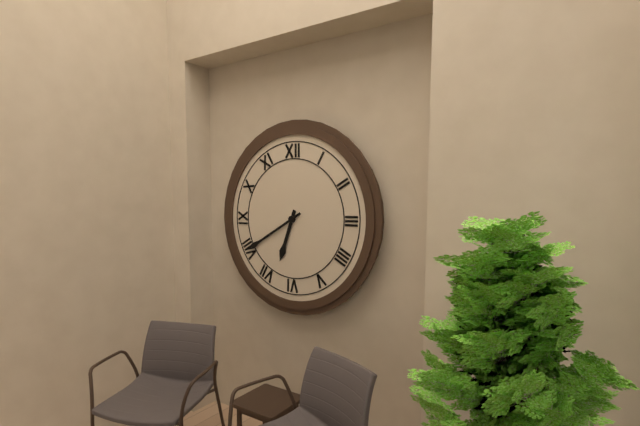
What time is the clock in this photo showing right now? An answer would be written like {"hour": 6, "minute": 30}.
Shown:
{"hour": 6, "minute": 40}
